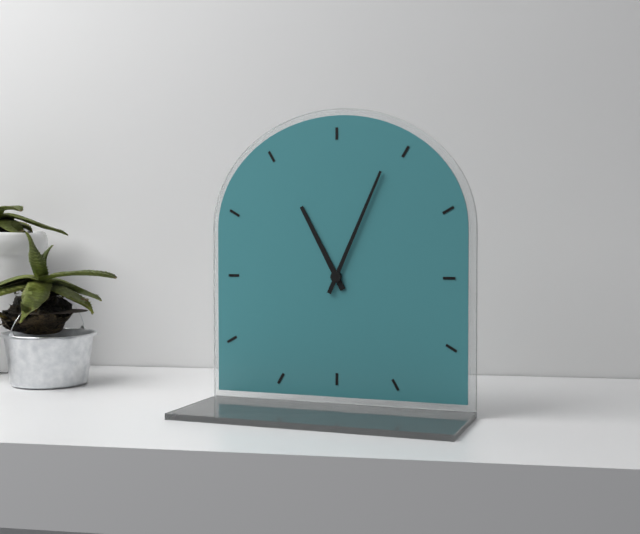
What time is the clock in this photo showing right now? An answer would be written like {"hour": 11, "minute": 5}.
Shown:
{"hour": 11, "minute": 4}
